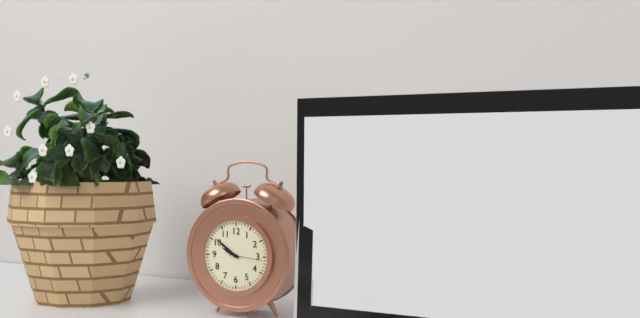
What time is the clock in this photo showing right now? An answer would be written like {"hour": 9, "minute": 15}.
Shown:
{"hour": 9, "minute": 51}
